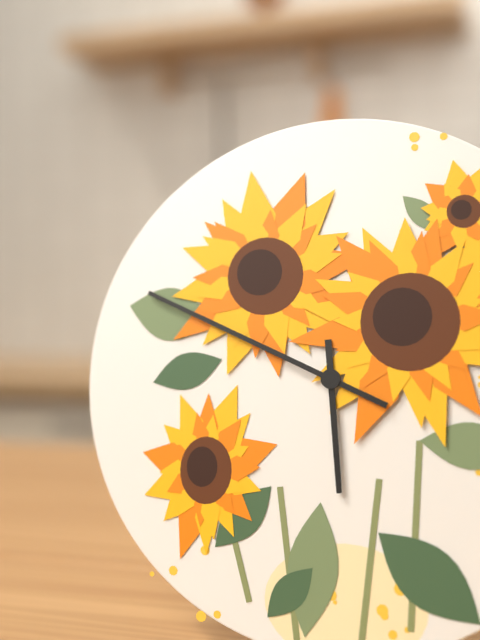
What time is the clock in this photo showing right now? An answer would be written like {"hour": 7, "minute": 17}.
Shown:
{"hour": 5, "minute": 49}
